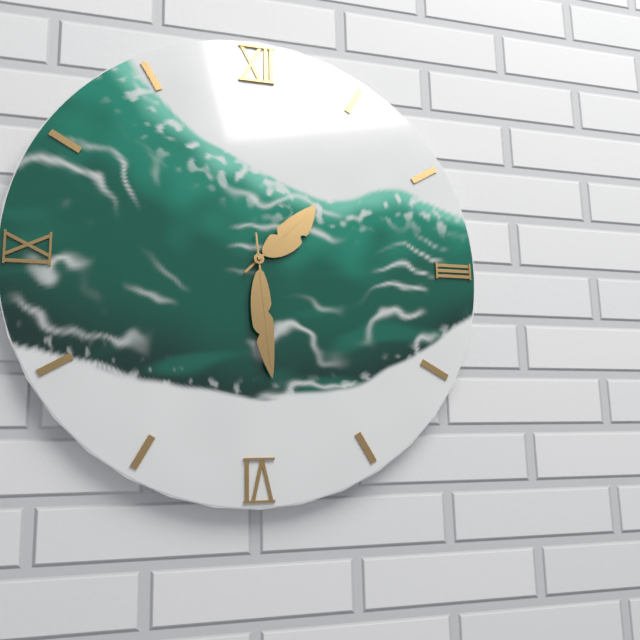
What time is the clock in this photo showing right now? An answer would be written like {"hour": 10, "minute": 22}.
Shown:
{"hour": 1, "minute": 29}
